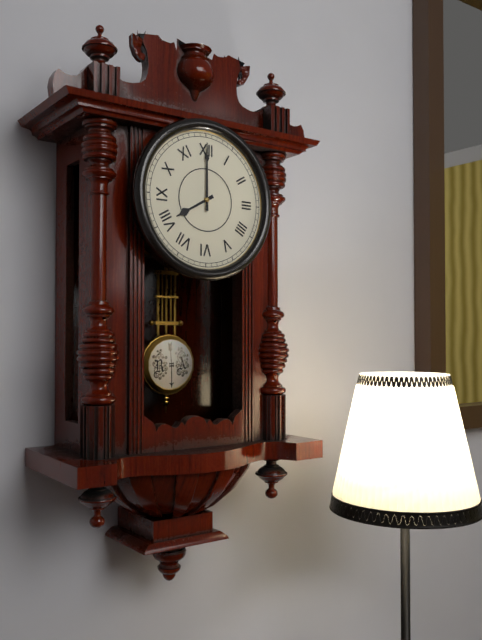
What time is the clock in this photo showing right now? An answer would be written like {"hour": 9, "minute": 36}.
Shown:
{"hour": 8, "minute": 0}
